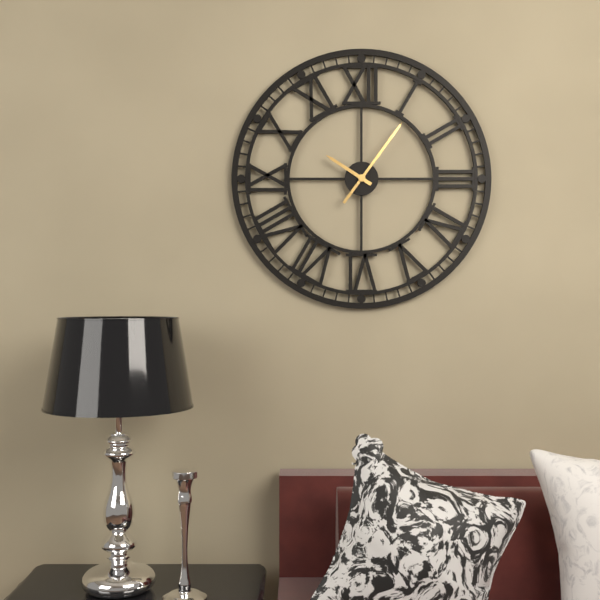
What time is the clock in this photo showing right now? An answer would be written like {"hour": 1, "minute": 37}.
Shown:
{"hour": 10, "minute": 6}
